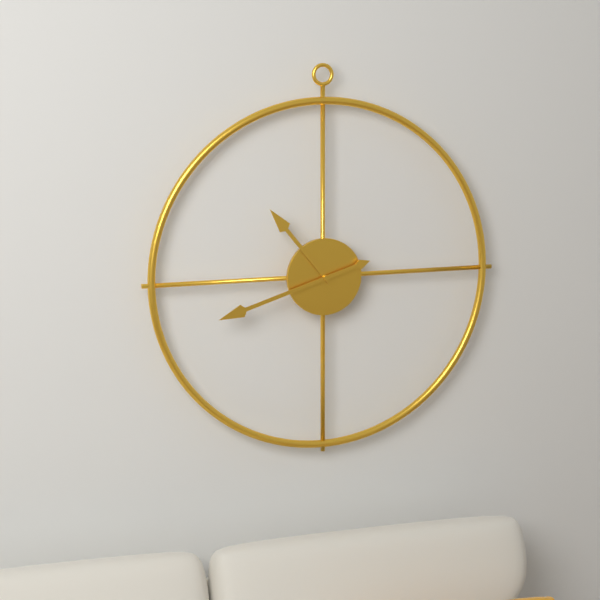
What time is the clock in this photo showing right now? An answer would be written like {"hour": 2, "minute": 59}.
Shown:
{"hour": 10, "minute": 42}
